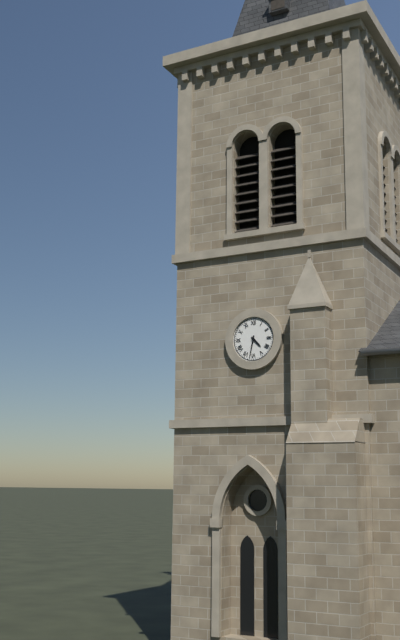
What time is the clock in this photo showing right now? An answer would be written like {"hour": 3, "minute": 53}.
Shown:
{"hour": 4, "minute": 32}
